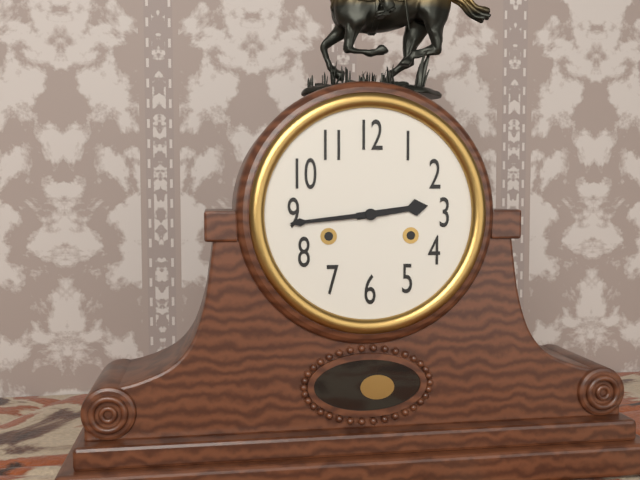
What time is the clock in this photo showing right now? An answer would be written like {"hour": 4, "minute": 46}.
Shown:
{"hour": 2, "minute": 44}
